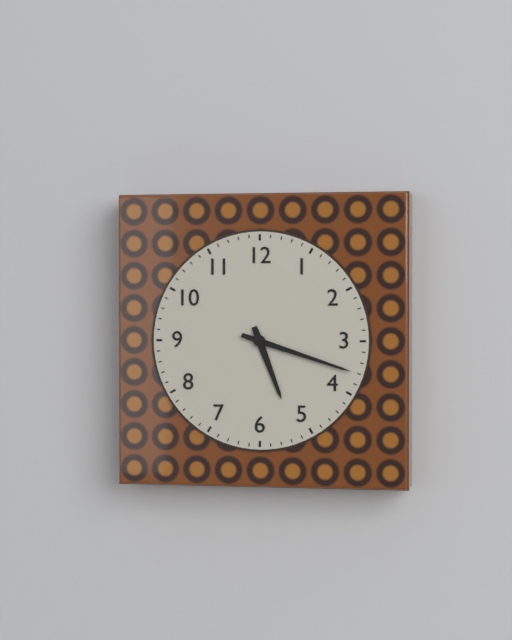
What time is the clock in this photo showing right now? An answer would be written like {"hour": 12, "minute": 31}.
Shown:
{"hour": 5, "minute": 18}
